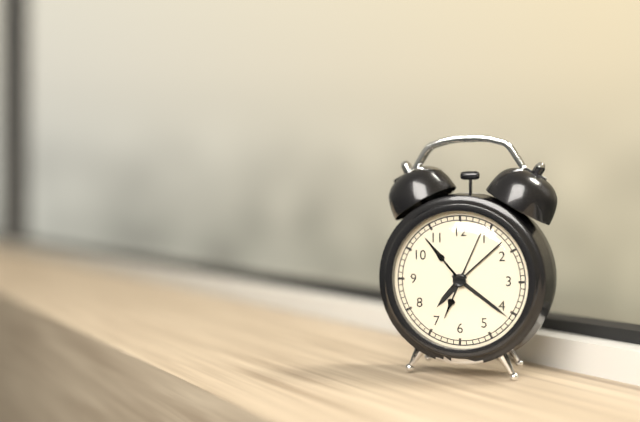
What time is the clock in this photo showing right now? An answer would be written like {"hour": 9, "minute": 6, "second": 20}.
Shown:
{"hour": 7, "minute": 21, "second": 4}
